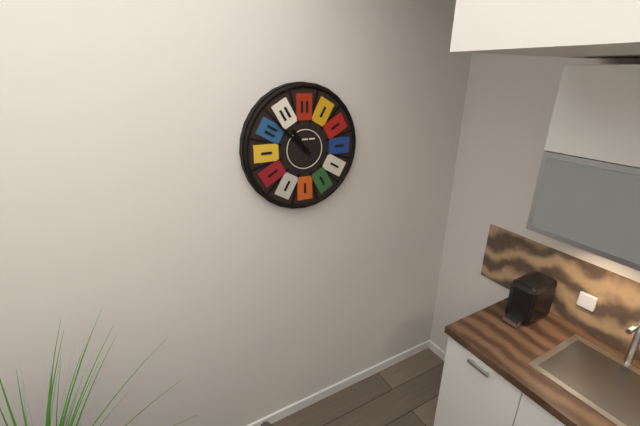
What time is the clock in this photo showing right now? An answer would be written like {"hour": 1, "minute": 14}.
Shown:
{"hour": 10, "minute": 52}
